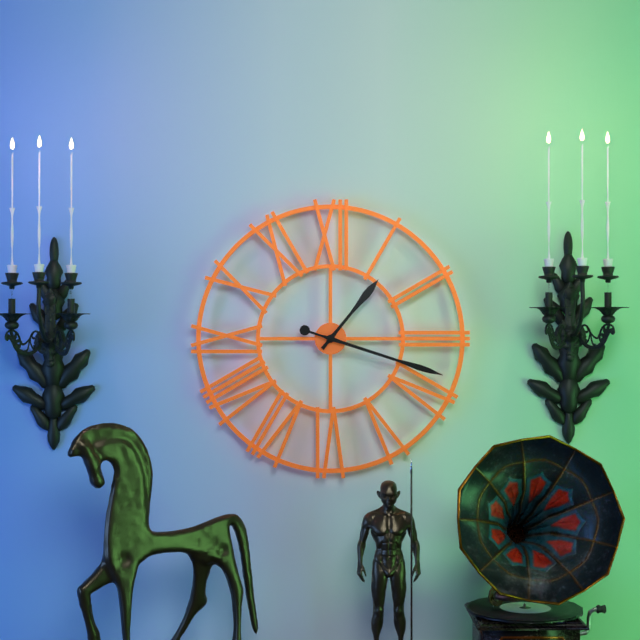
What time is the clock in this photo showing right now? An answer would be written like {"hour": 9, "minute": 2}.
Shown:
{"hour": 1, "minute": 18}
